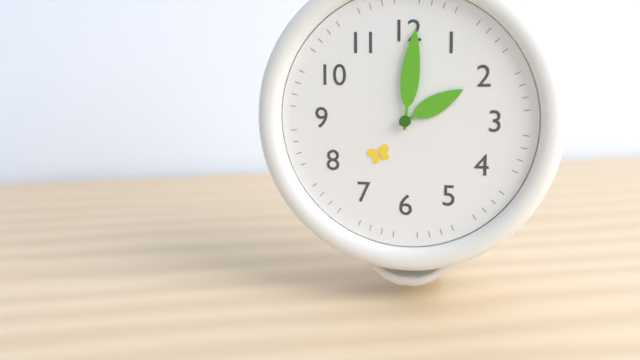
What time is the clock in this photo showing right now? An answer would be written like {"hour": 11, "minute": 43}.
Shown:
{"hour": 2, "minute": 1}
